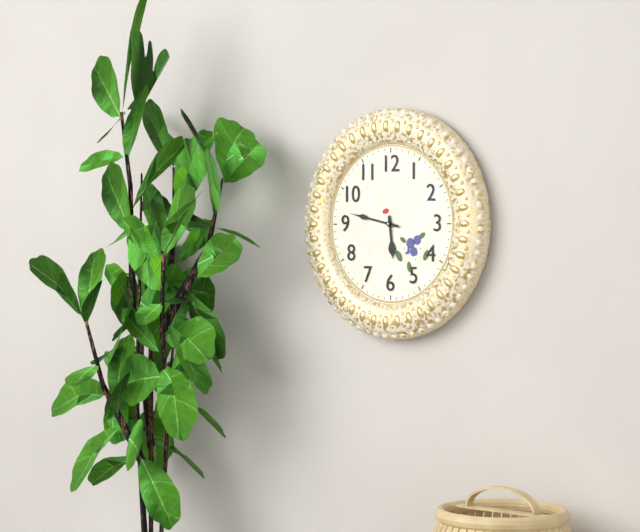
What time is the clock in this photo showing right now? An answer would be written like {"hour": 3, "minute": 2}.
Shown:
{"hour": 5, "minute": 47}
